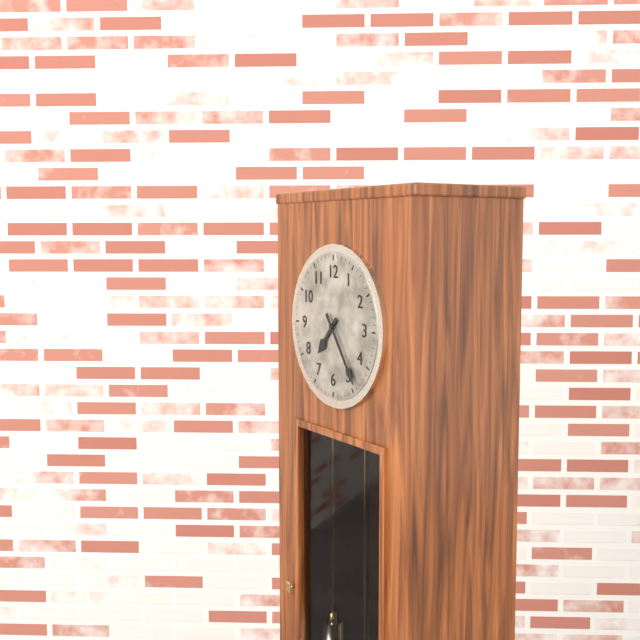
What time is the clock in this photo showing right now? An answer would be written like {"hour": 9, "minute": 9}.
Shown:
{"hour": 7, "minute": 24}
